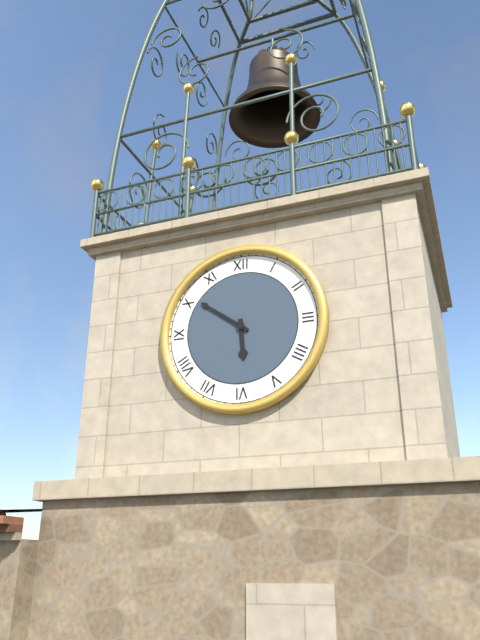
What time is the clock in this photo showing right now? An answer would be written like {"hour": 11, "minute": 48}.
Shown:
{"hour": 5, "minute": 51}
